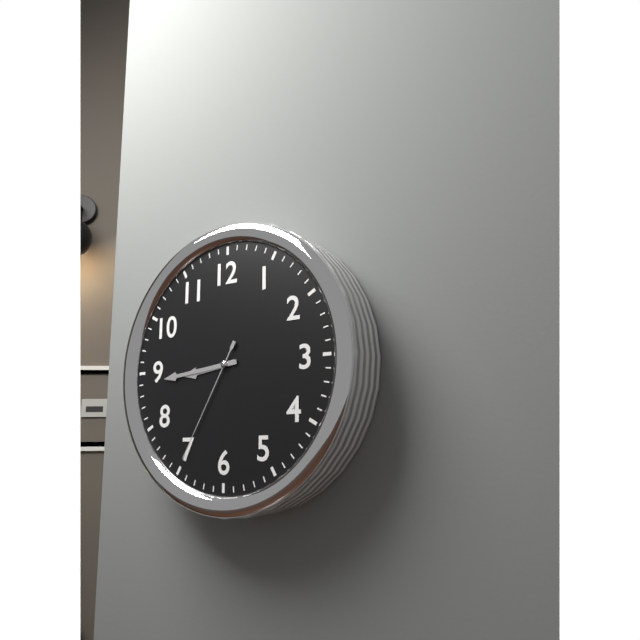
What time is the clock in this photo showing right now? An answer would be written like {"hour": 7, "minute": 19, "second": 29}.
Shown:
{"hour": 8, "minute": 44, "second": 35}
